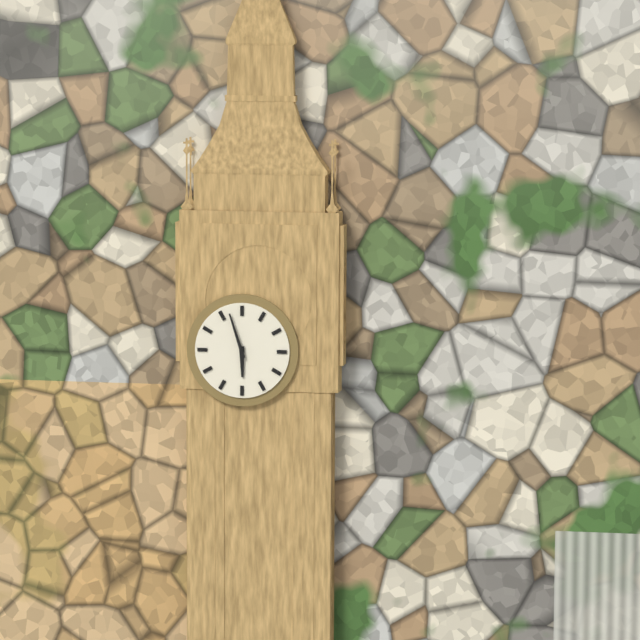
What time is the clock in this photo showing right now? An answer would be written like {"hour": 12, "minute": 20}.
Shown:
{"hour": 5, "minute": 57}
